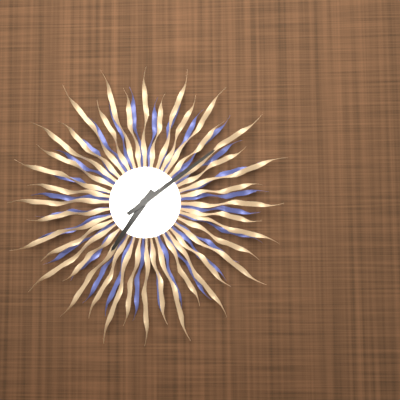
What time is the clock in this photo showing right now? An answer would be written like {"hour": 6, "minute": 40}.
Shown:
{"hour": 7, "minute": 9}
